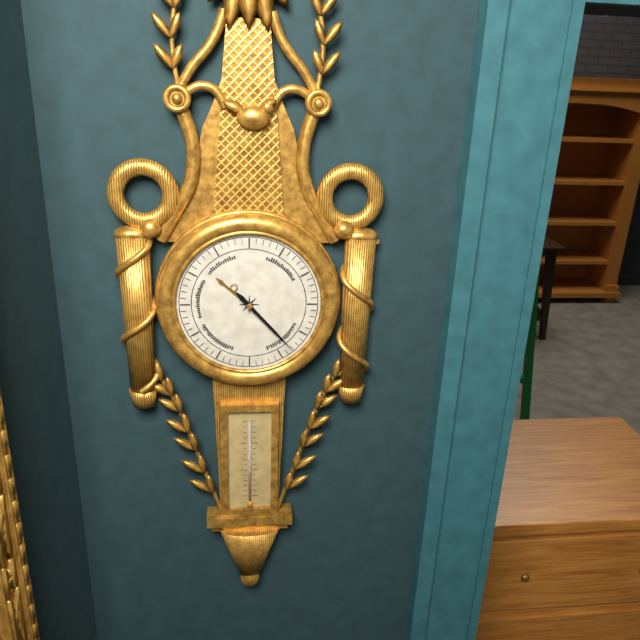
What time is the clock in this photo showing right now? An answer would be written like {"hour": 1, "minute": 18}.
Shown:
{"hour": 10, "minute": 23}
